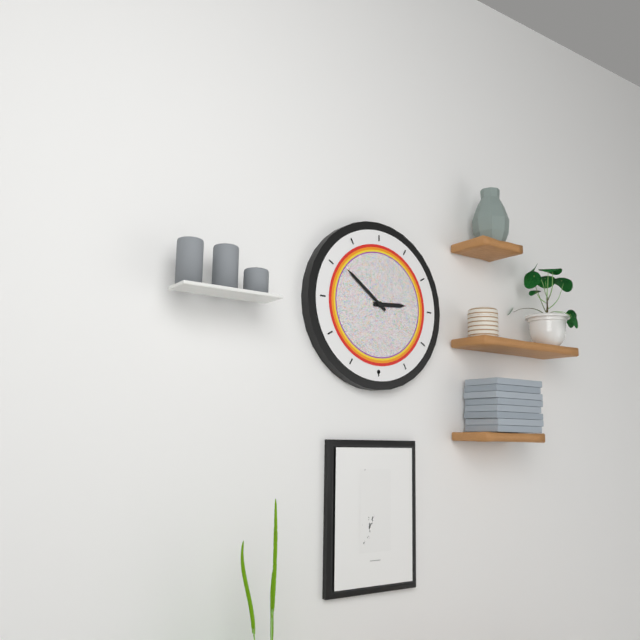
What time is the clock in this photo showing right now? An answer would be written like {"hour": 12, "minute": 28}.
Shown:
{"hour": 2, "minute": 51}
